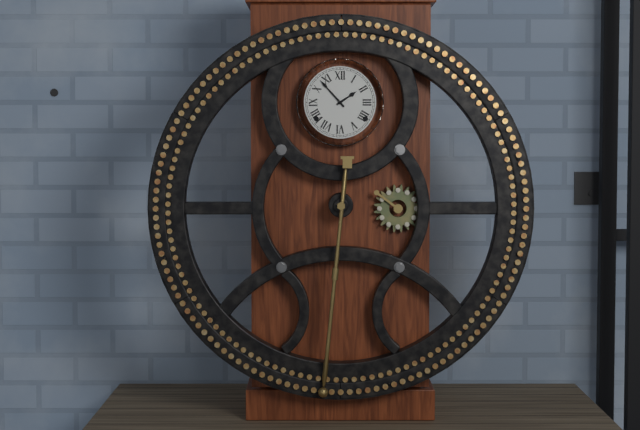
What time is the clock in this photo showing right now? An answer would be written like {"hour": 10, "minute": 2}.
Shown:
{"hour": 1, "minute": 53}
